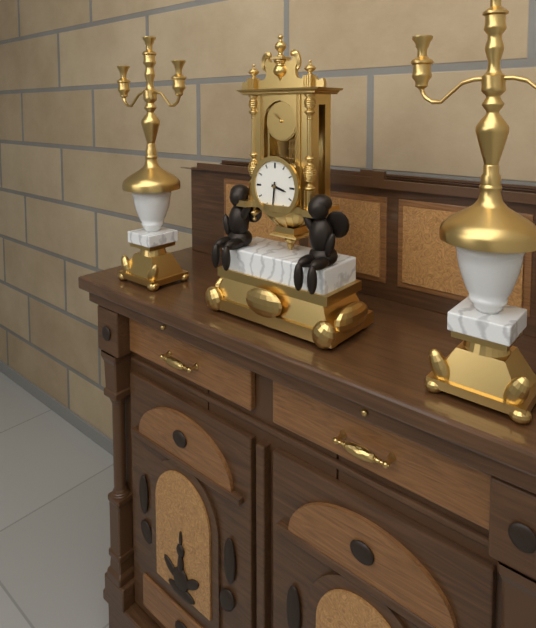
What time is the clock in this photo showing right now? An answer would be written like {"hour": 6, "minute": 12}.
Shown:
{"hour": 3, "minute": 31}
